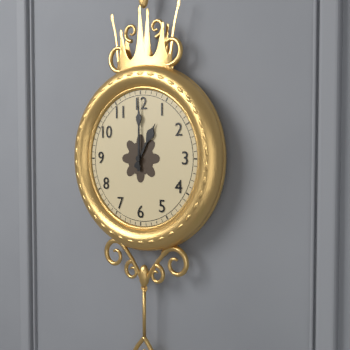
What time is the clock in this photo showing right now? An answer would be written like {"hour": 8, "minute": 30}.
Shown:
{"hour": 1, "minute": 0}
